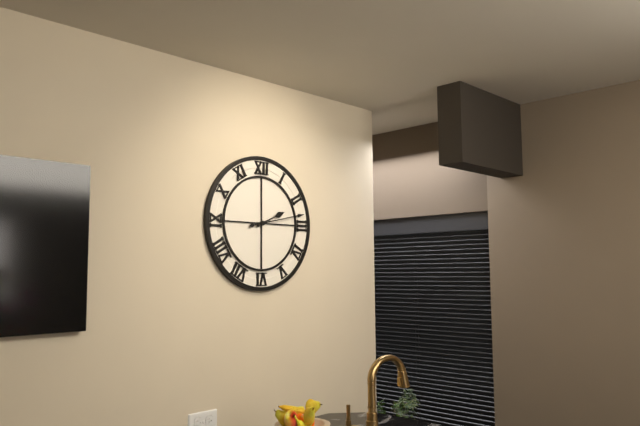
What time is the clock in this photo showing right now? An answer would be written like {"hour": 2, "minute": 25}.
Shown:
{"hour": 2, "minute": 13}
